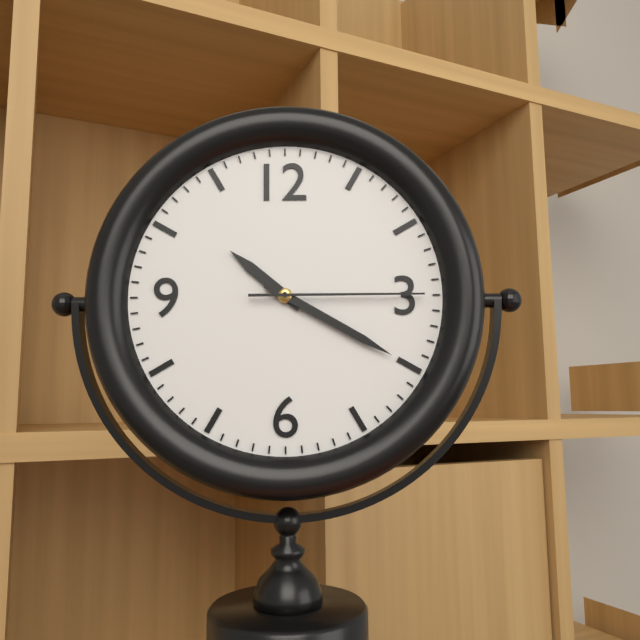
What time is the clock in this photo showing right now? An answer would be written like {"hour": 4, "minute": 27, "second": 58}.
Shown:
{"hour": 10, "minute": 20, "second": 15}
